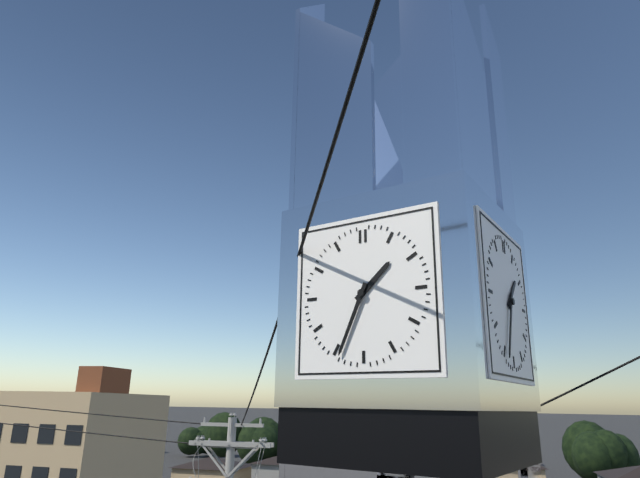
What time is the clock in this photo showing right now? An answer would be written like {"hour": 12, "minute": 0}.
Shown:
{"hour": 1, "minute": 34}
